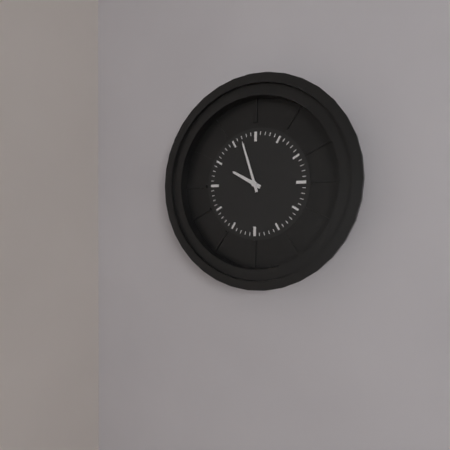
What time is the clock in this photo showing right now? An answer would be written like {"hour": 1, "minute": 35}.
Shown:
{"hour": 9, "minute": 57}
